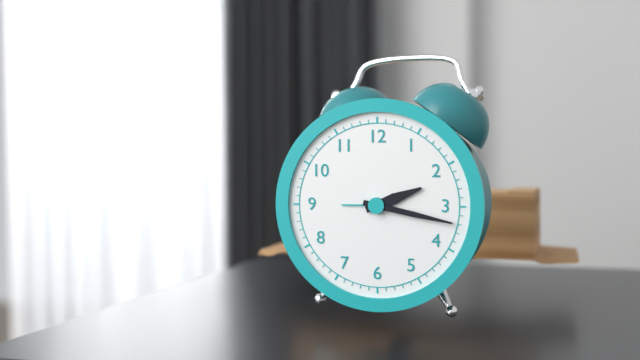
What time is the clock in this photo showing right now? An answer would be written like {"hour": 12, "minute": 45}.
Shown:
{"hour": 2, "minute": 17}
